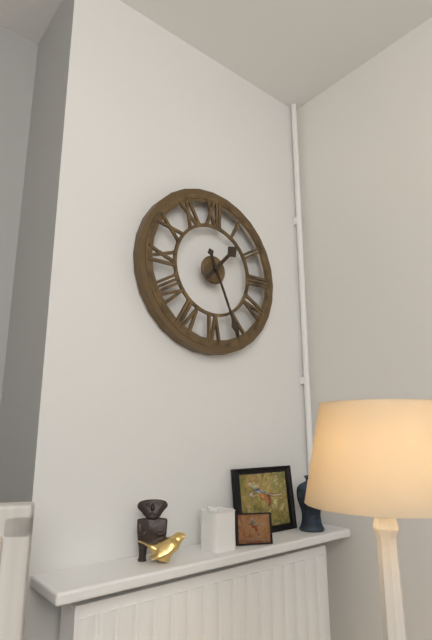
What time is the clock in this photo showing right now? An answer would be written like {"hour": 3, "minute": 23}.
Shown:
{"hour": 1, "minute": 26}
